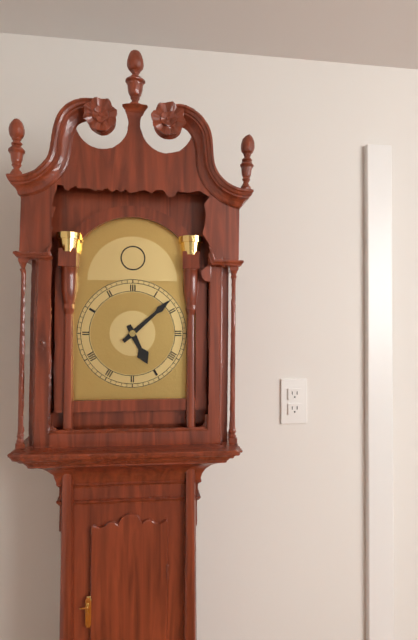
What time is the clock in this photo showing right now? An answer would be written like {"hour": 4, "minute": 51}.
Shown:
{"hour": 5, "minute": 8}
